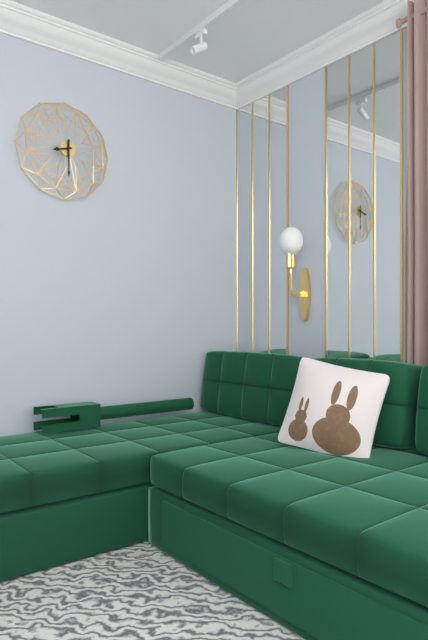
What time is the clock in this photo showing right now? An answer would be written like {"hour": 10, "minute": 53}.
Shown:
{"hour": 8, "minute": 30}
